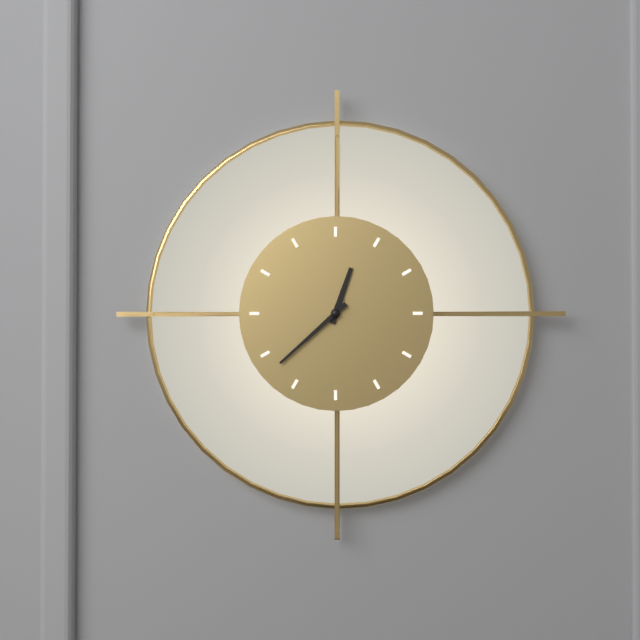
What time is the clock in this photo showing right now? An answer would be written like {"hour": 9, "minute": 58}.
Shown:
{"hour": 12, "minute": 38}
